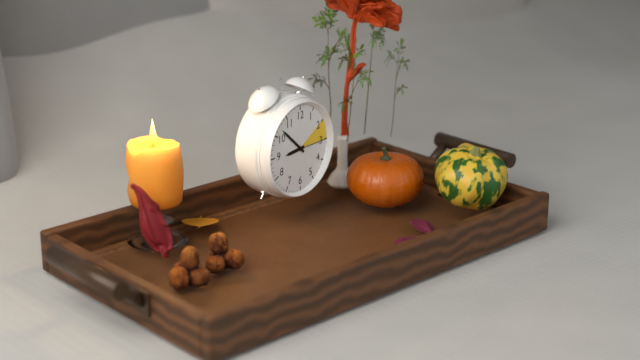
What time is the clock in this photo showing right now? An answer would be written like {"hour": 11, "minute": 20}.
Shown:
{"hour": 8, "minute": 52}
